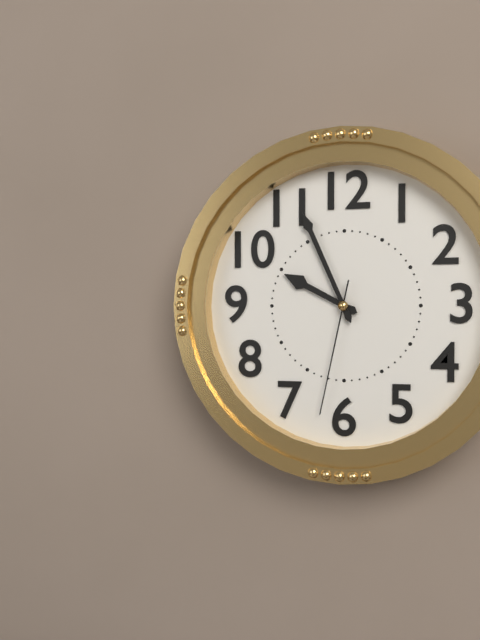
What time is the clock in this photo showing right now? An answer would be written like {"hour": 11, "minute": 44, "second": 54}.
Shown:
{"hour": 9, "minute": 56, "second": 32}
